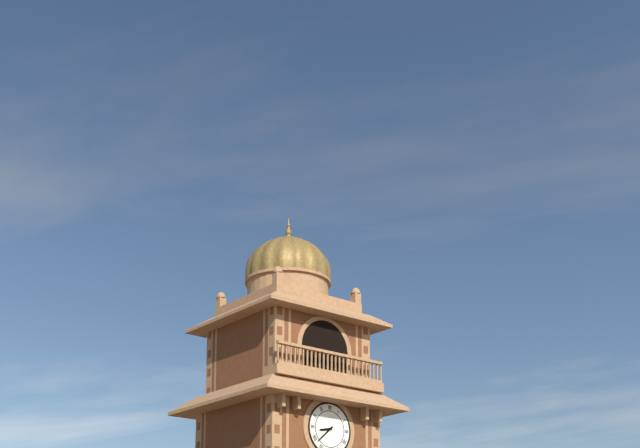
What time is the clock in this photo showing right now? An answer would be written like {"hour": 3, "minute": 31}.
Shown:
{"hour": 8, "minute": 38}
